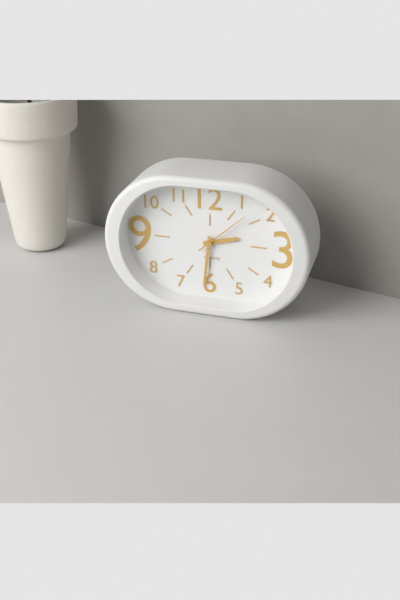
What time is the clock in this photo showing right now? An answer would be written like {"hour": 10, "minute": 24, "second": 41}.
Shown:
{"hour": 2, "minute": 31, "second": 8}
